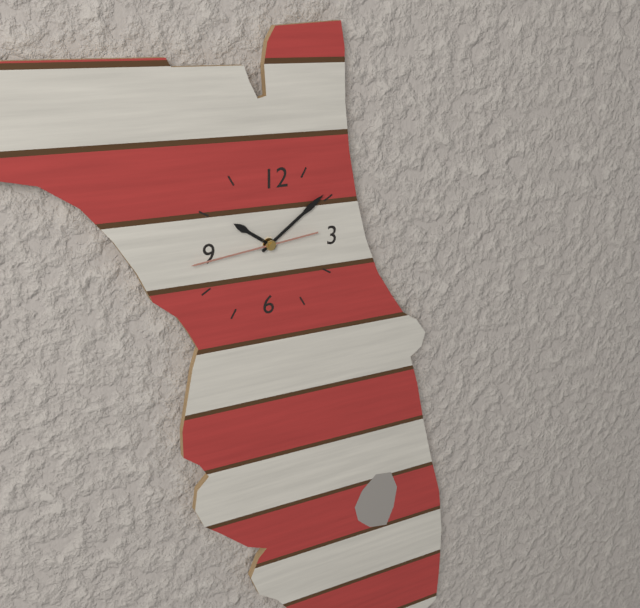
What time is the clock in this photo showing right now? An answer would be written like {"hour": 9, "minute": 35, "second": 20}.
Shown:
{"hour": 10, "minute": 9, "second": 44}
